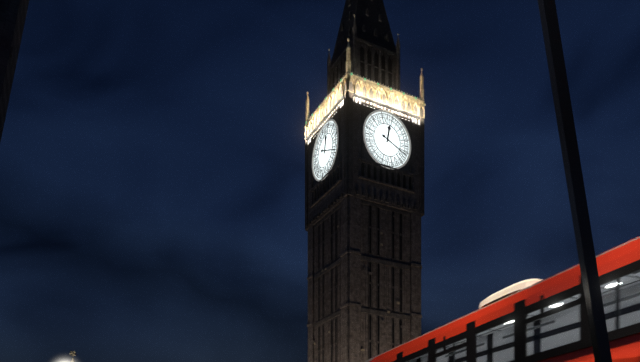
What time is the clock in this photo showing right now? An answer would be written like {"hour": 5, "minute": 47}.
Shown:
{"hour": 12, "minute": 19}
